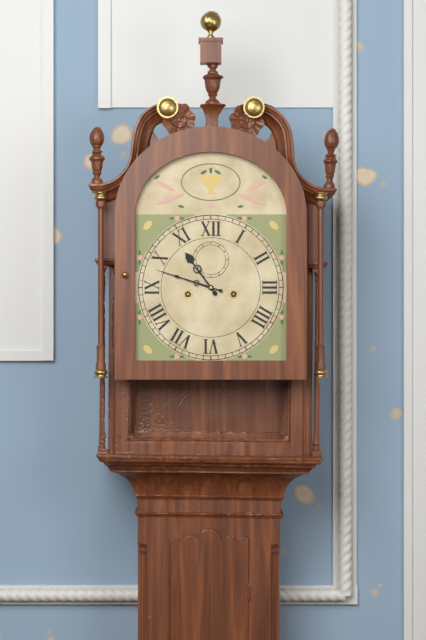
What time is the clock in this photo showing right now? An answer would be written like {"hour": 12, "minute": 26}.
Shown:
{"hour": 10, "minute": 48}
